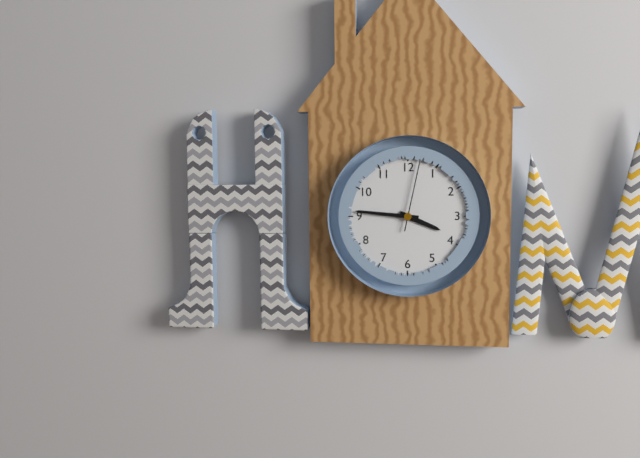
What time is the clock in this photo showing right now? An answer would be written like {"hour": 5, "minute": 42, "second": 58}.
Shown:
{"hour": 3, "minute": 46, "second": 2}
